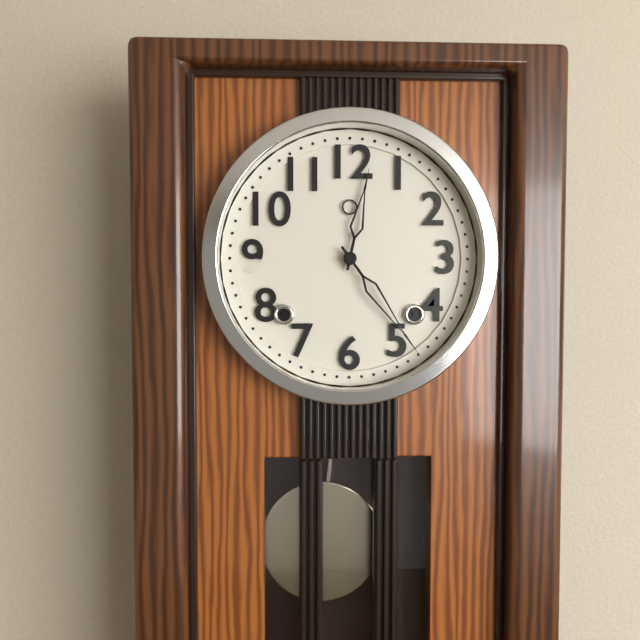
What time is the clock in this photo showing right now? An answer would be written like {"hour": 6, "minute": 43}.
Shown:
{"hour": 12, "minute": 24}
